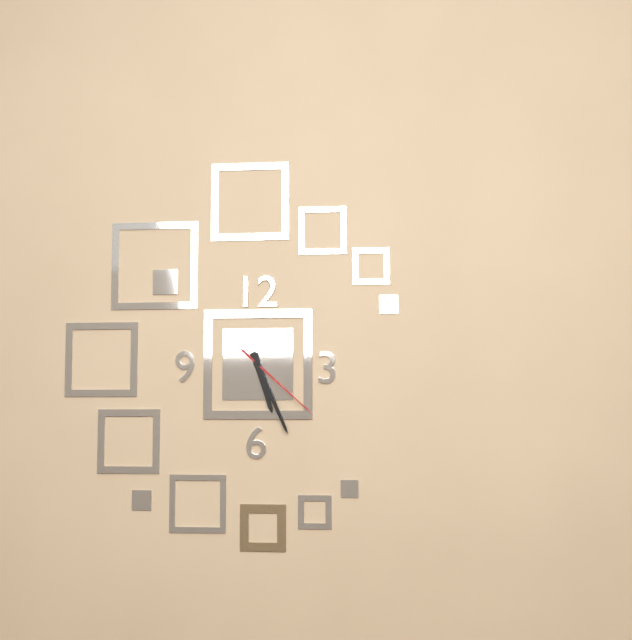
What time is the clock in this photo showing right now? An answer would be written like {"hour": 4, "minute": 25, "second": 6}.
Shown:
{"hour": 5, "minute": 26, "second": 22}
